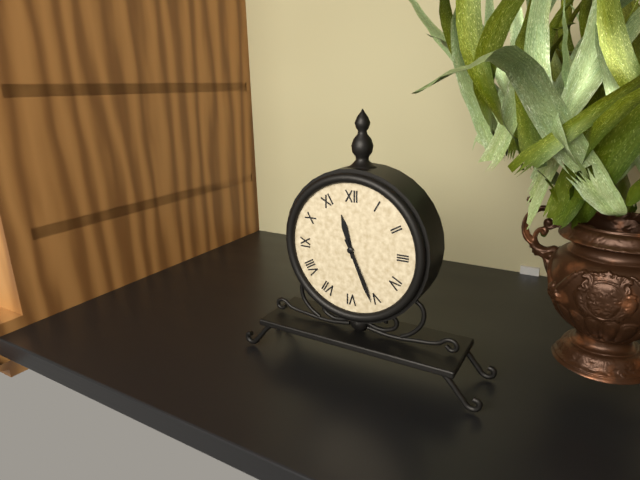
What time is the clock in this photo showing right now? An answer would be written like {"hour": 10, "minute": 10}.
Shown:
{"hour": 11, "minute": 26}
